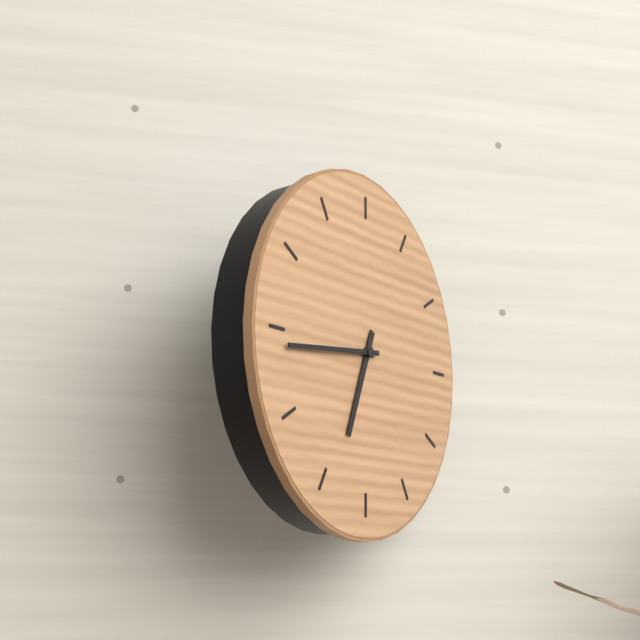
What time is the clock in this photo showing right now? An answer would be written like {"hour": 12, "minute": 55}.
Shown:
{"hour": 6, "minute": 44}
